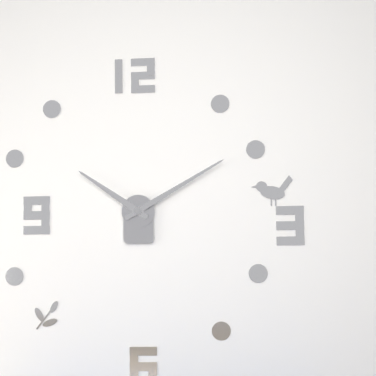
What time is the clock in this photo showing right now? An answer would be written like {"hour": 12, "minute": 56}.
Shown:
{"hour": 10, "minute": 10}
